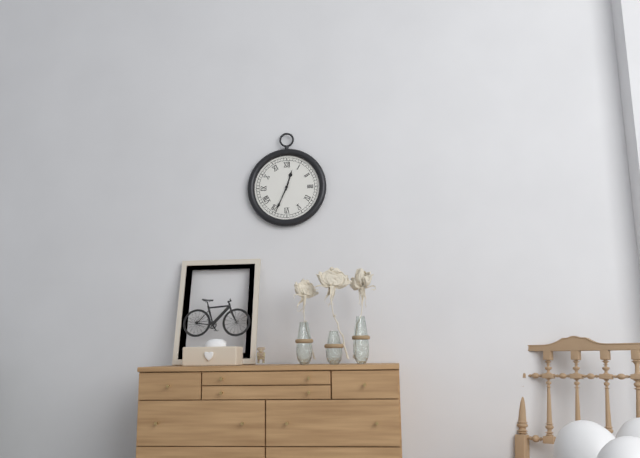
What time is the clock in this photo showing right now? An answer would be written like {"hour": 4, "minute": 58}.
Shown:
{"hour": 12, "minute": 34}
